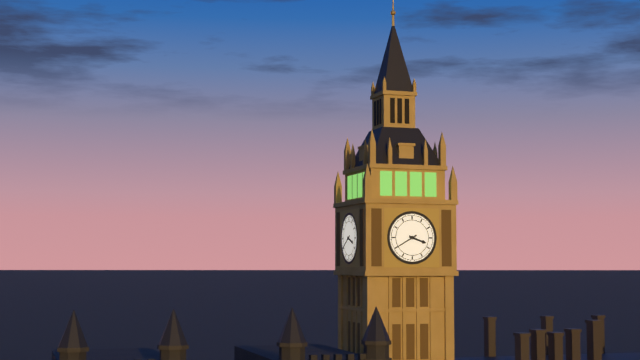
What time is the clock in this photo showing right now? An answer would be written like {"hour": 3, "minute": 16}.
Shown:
{"hour": 3, "minute": 40}
